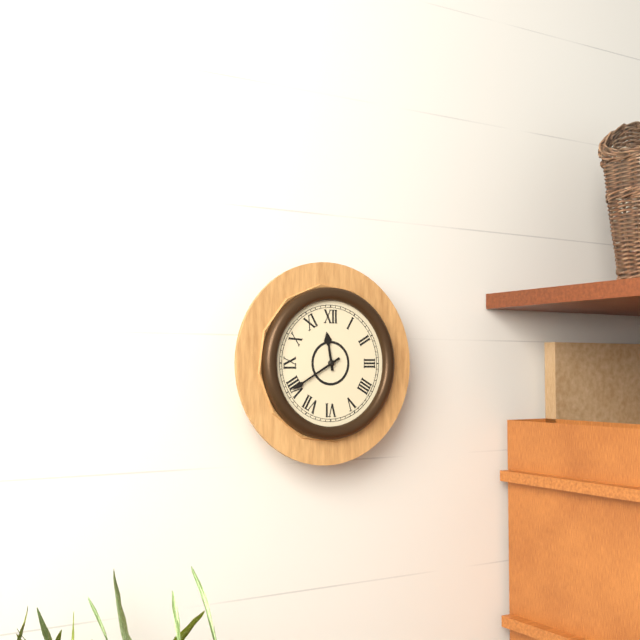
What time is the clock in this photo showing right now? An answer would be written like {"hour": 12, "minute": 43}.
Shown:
{"hour": 11, "minute": 40}
